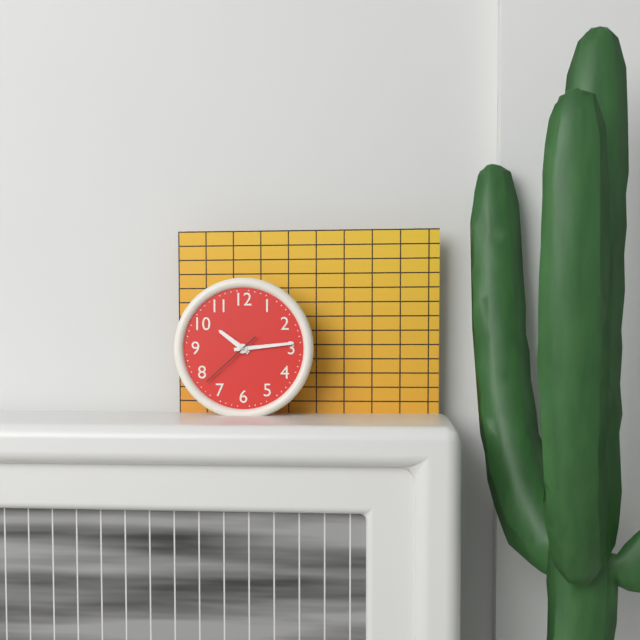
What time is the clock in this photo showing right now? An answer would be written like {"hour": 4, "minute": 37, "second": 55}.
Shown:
{"hour": 10, "minute": 14, "second": 38}
